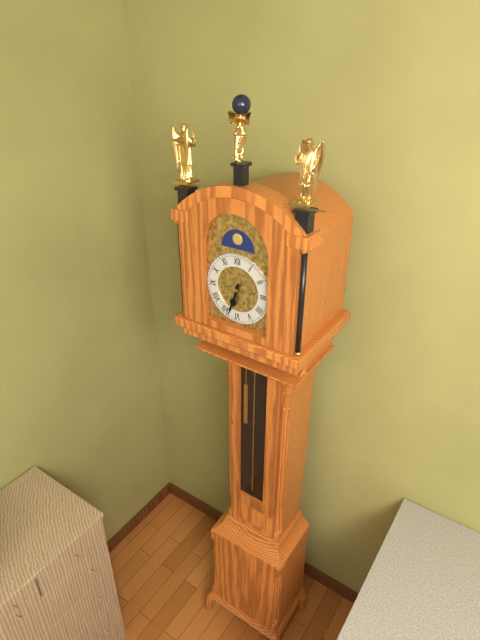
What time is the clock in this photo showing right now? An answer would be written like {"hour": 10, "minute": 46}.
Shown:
{"hour": 6, "minute": 33}
